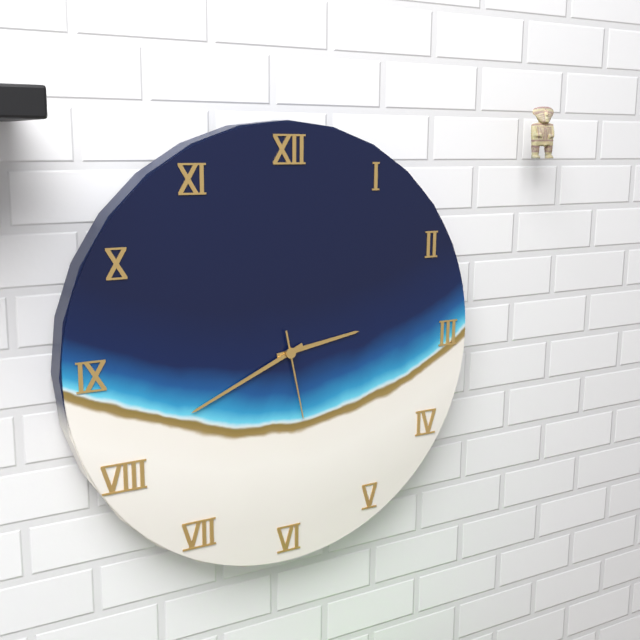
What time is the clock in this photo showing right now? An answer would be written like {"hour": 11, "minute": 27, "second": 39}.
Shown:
{"hour": 2, "minute": 41, "second": 28}
